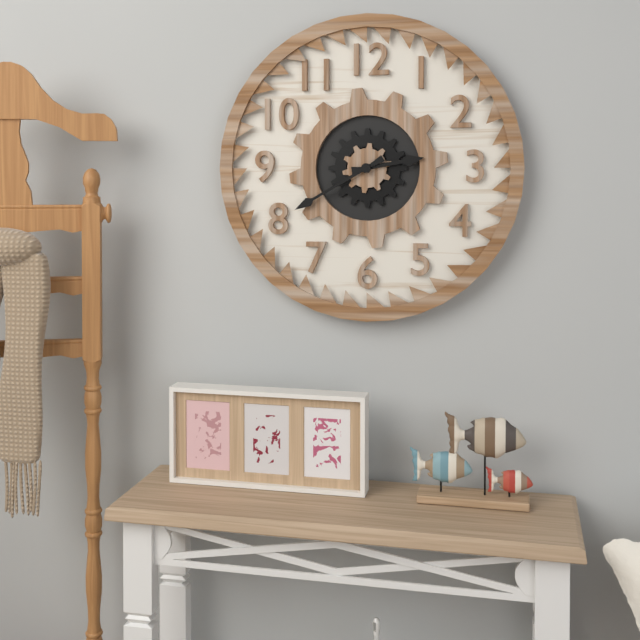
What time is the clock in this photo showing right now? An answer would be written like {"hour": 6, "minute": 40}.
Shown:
{"hour": 2, "minute": 40}
